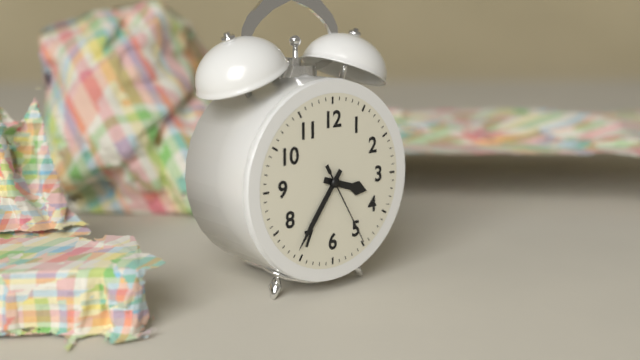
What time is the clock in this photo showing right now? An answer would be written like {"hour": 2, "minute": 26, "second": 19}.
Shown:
{"hour": 3, "minute": 36, "second": 25}
